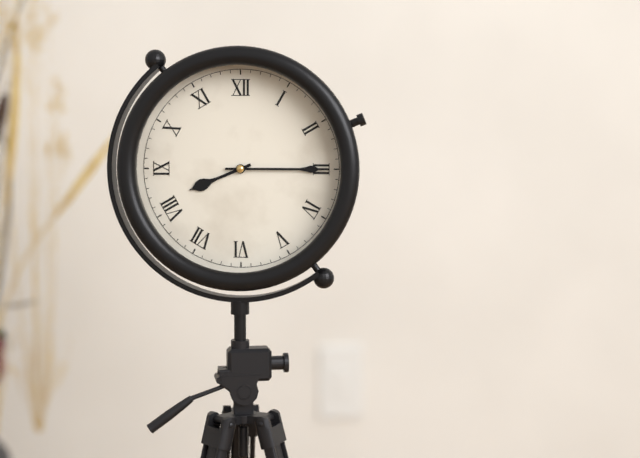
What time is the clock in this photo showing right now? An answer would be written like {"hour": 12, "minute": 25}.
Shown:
{"hour": 8, "minute": 15}
